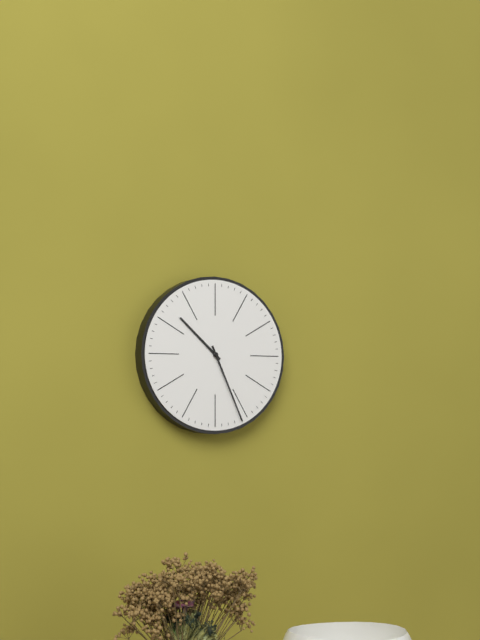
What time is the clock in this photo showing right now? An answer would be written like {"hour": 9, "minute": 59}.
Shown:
{"hour": 10, "minute": 26}
